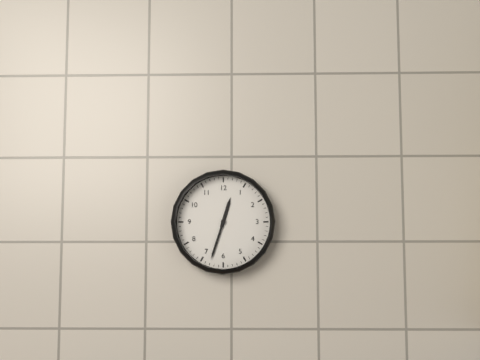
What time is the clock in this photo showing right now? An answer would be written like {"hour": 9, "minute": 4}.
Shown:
{"hour": 12, "minute": 33}
